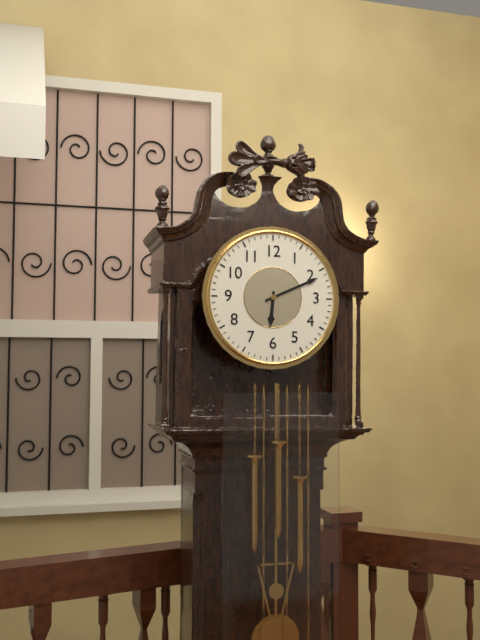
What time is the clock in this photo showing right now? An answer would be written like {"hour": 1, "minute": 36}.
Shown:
{"hour": 6, "minute": 11}
